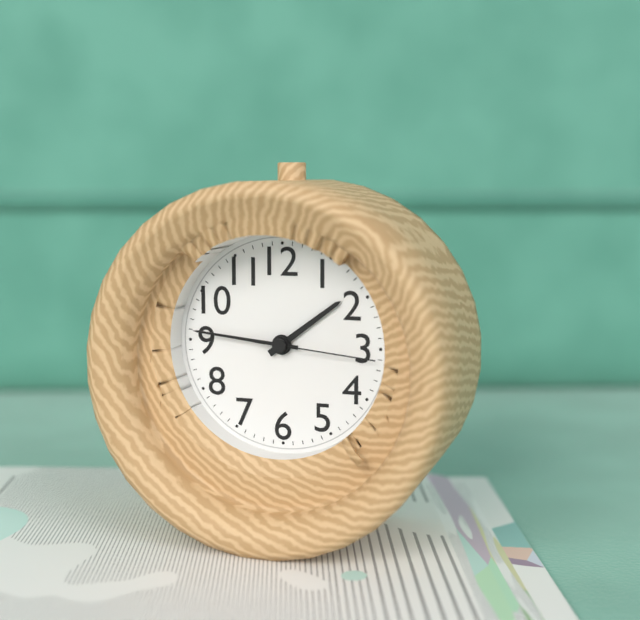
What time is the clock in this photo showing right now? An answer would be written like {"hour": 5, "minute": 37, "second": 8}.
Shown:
{"hour": 1, "minute": 46, "second": 16}
